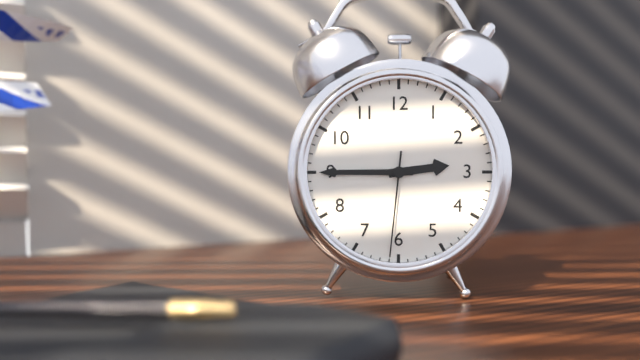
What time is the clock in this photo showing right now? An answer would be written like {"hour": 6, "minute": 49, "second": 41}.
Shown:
{"hour": 2, "minute": 45, "second": 31}
